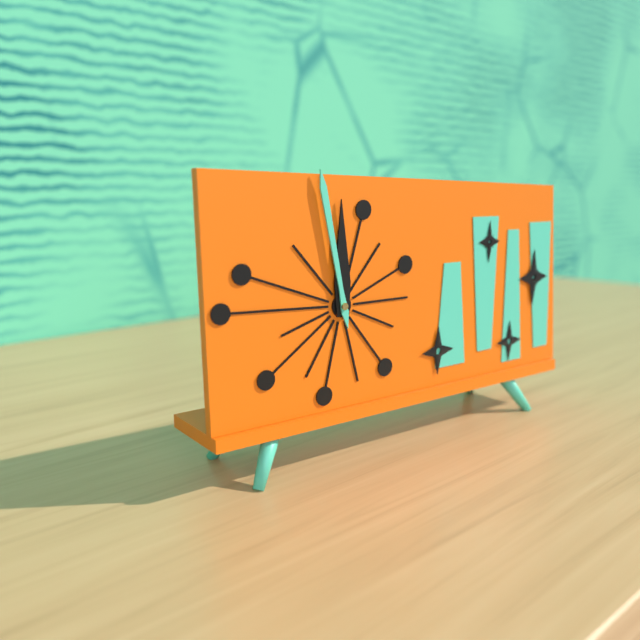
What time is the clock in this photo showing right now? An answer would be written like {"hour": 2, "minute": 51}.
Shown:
{"hour": 11, "minute": 58}
